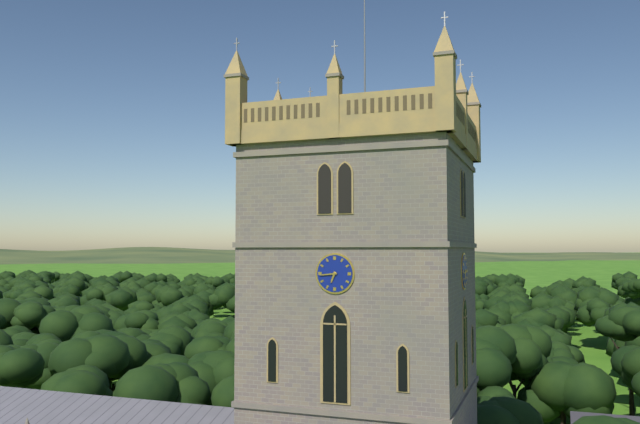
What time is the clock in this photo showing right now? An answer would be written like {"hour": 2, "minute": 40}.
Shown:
{"hour": 6, "minute": 44}
